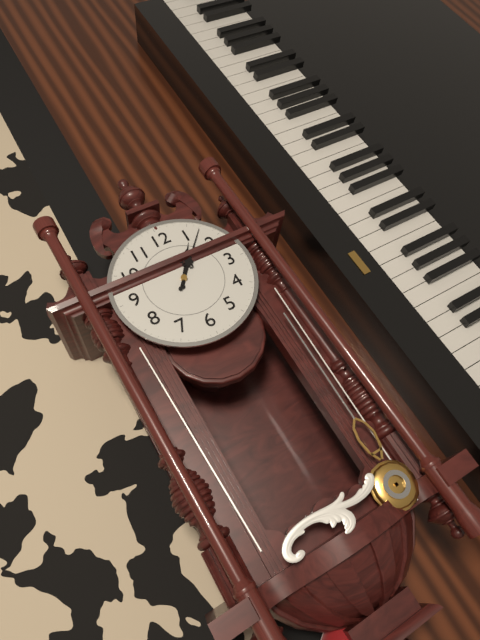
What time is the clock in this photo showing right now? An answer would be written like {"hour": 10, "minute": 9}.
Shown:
{"hour": 1, "minute": 7}
